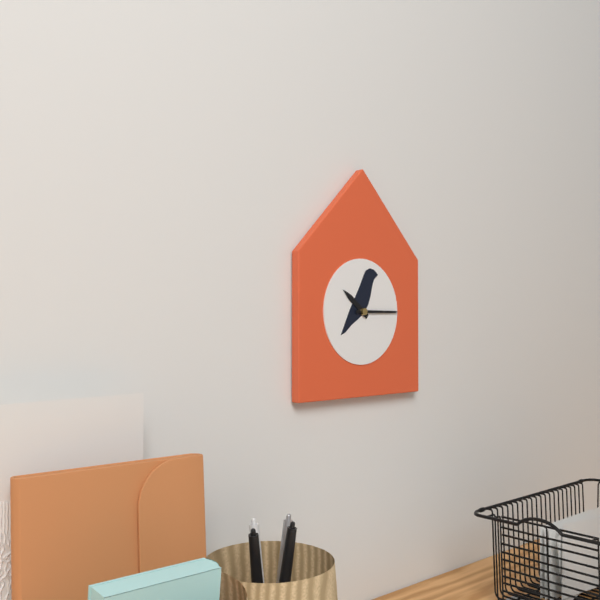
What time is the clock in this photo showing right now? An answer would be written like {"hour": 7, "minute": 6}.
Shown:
{"hour": 10, "minute": 15}
